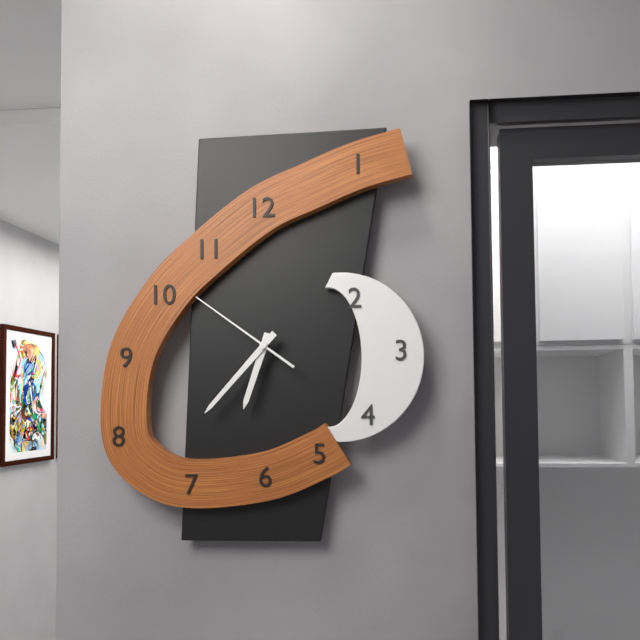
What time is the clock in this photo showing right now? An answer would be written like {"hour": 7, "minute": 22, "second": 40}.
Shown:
{"hour": 6, "minute": 37, "second": 51}
